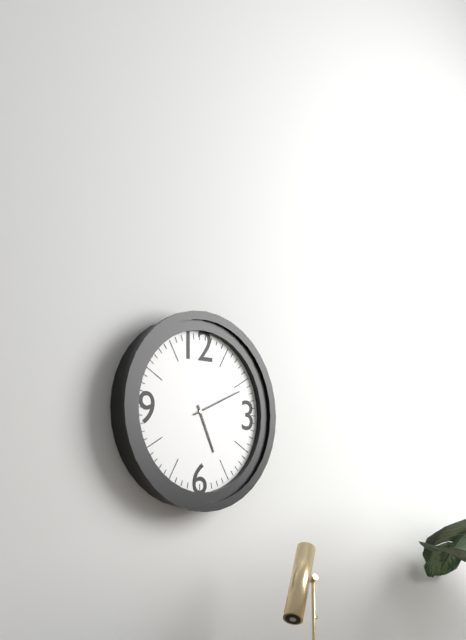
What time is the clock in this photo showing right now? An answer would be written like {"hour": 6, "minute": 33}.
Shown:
{"hour": 5, "minute": 11}
